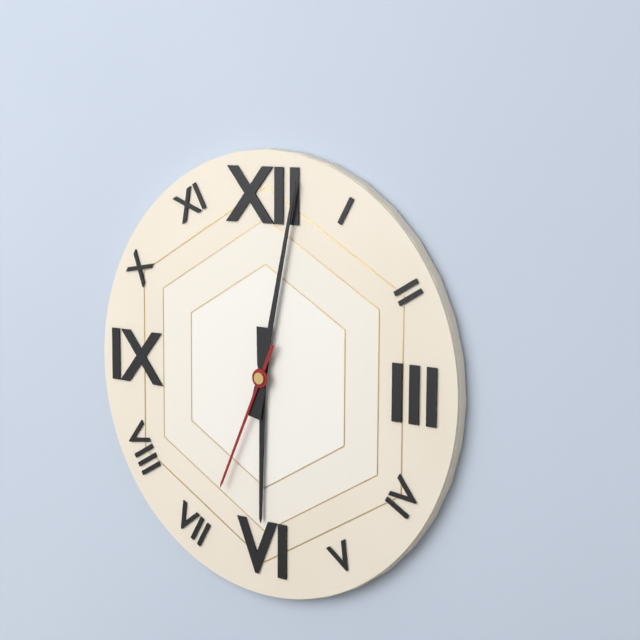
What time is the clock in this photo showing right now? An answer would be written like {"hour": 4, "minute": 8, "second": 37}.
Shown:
{"hour": 6, "minute": 2, "second": 34}
